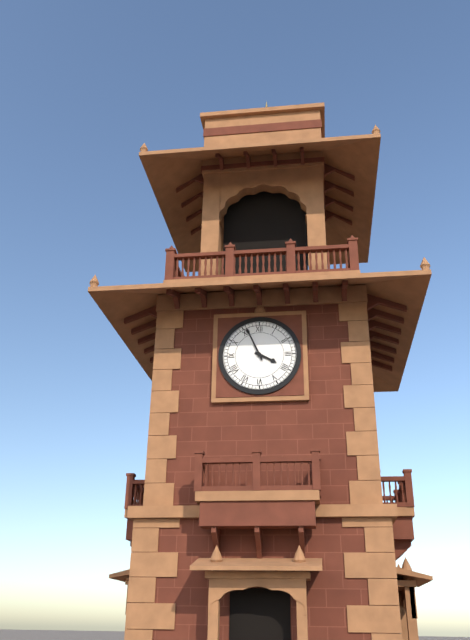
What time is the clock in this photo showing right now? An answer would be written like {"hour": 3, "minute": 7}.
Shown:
{"hour": 3, "minute": 56}
